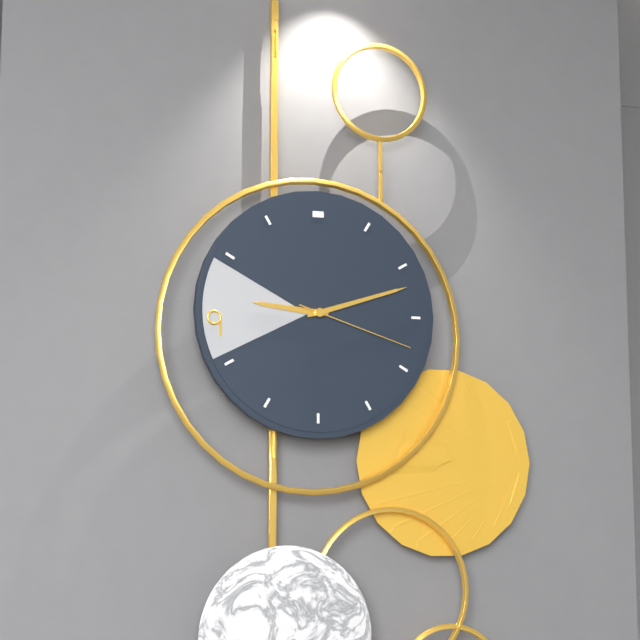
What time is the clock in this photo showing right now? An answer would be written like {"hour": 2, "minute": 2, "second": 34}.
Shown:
{"hour": 9, "minute": 12, "second": 18}
